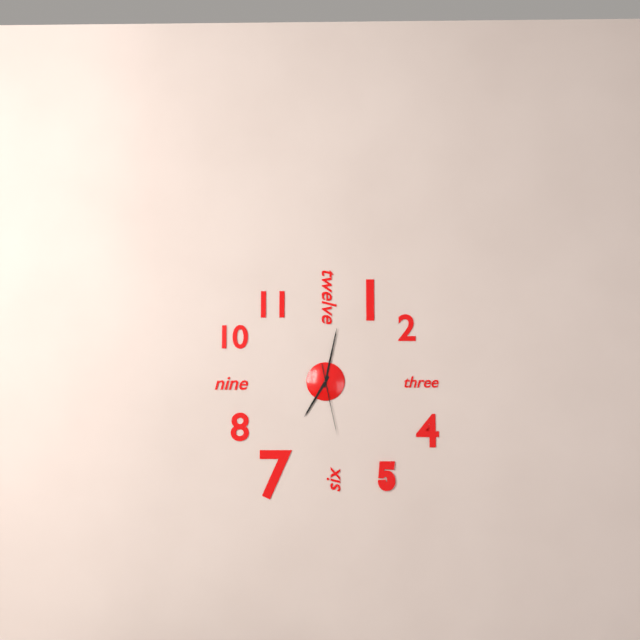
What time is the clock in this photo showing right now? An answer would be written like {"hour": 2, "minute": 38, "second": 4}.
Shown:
{"hour": 7, "minute": 2, "second": 28}
